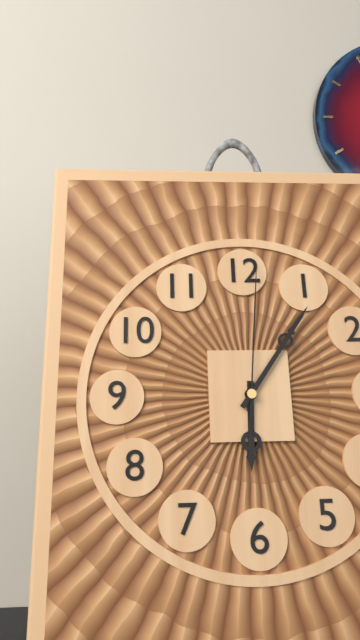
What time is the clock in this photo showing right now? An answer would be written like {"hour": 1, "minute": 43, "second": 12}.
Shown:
{"hour": 6, "minute": 6, "second": 1}
